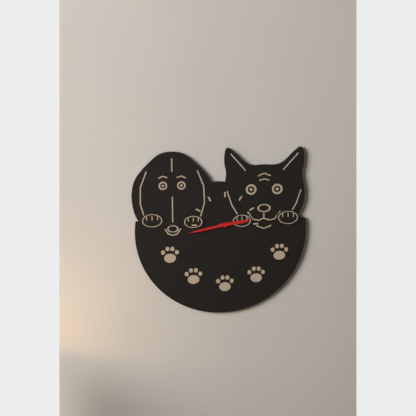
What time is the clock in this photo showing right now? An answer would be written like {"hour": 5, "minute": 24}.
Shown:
{"hour": 2, "minute": 43}
